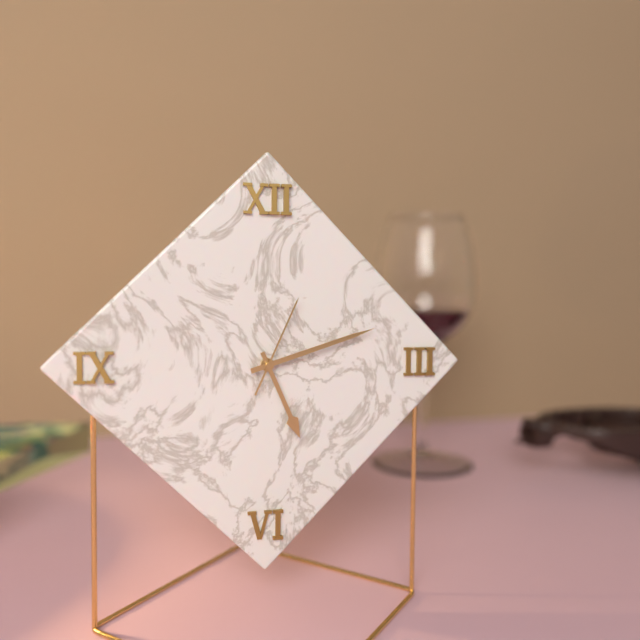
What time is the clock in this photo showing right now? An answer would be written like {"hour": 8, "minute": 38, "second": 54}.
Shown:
{"hour": 5, "minute": 12, "second": 4}
